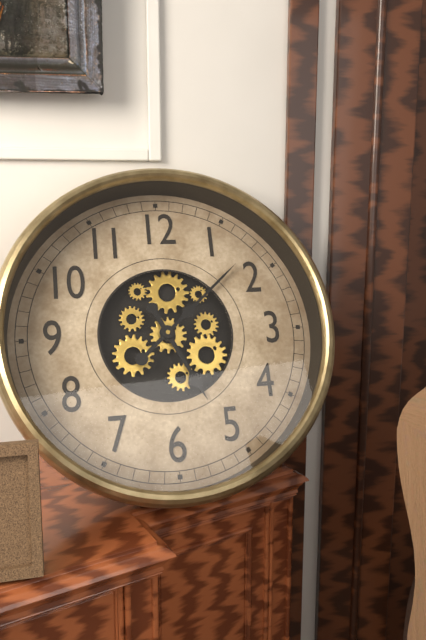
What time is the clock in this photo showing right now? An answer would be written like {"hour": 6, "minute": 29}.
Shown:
{"hour": 5, "minute": 8}
